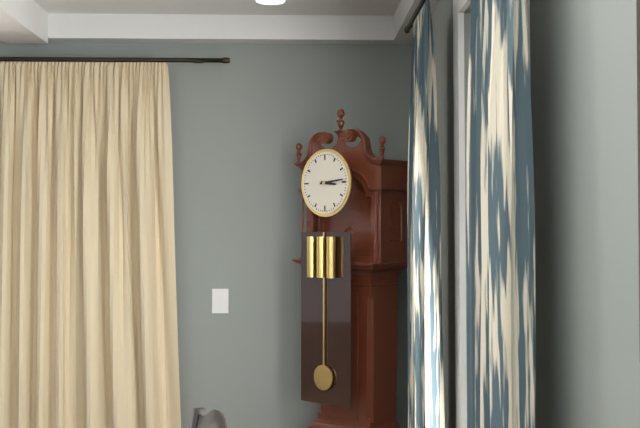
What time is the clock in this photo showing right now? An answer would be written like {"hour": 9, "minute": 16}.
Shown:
{"hour": 3, "minute": 14}
